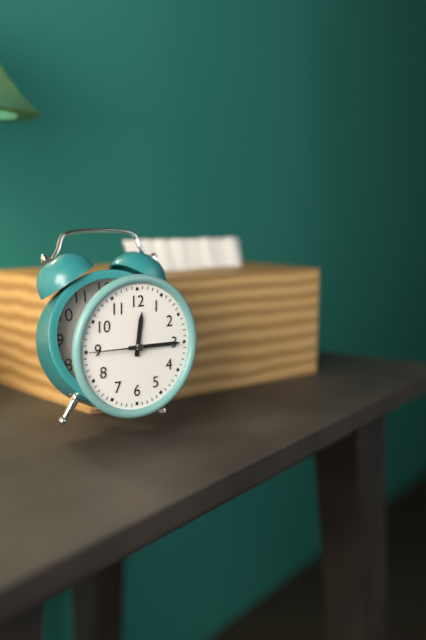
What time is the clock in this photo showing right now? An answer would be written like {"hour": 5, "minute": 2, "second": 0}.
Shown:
{"hour": 12, "minute": 15, "second": 45}
